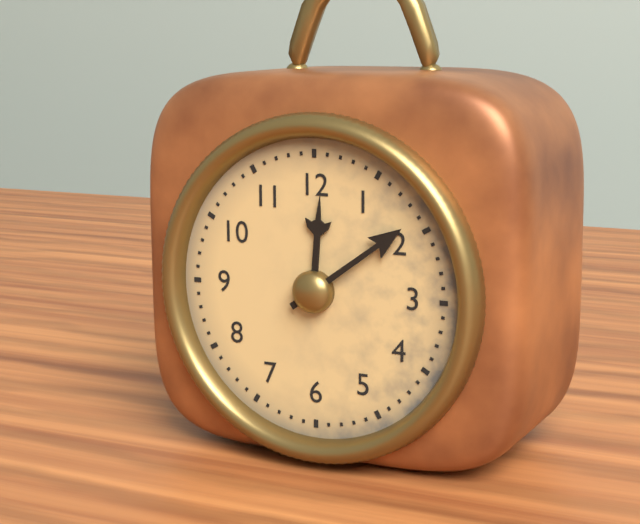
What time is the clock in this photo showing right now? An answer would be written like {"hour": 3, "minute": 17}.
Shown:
{"hour": 12, "minute": 9}
